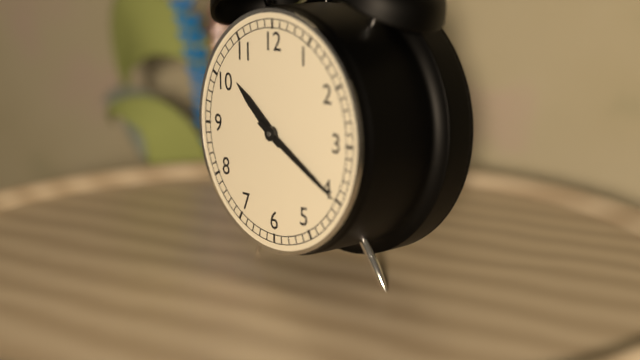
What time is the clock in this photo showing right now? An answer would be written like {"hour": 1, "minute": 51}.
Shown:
{"hour": 10, "minute": 20}
